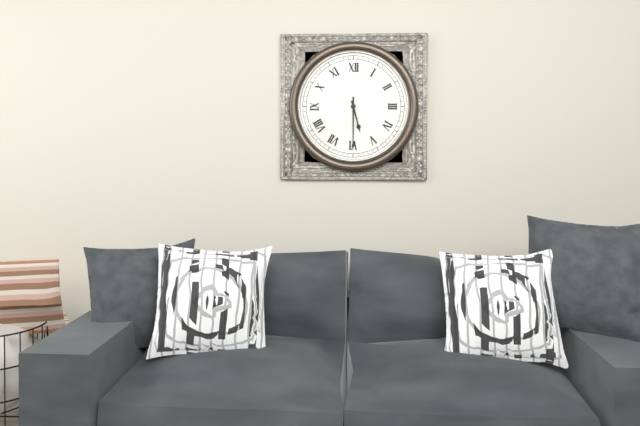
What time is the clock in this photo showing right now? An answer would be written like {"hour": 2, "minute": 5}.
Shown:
{"hour": 5, "minute": 30}
